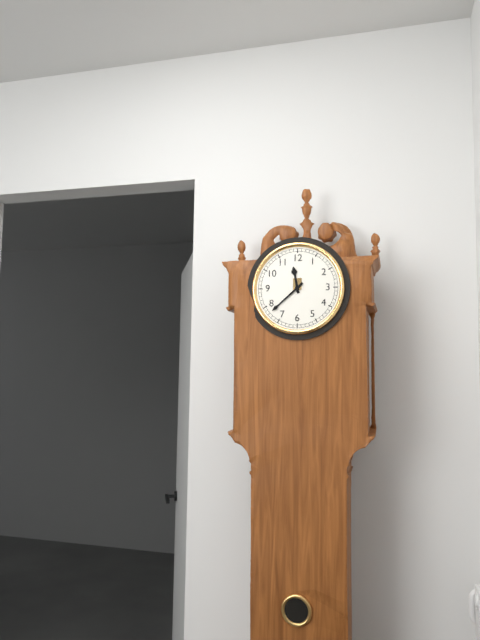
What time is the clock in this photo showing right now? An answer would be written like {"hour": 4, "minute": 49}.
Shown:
{"hour": 11, "minute": 38}
